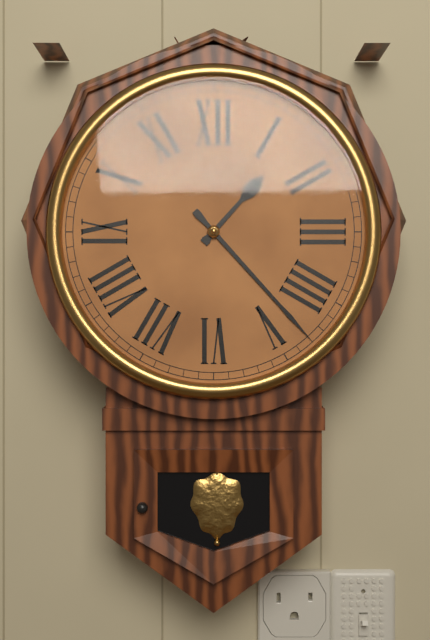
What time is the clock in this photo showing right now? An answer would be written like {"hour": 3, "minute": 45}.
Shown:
{"hour": 1, "minute": 23}
